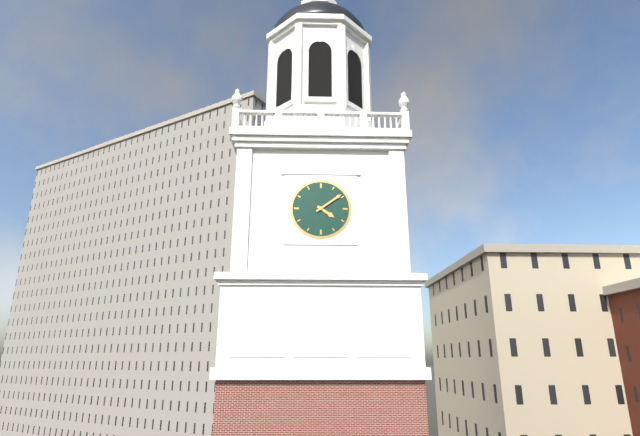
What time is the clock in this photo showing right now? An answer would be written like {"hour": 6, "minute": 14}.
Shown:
{"hour": 4, "minute": 9}
